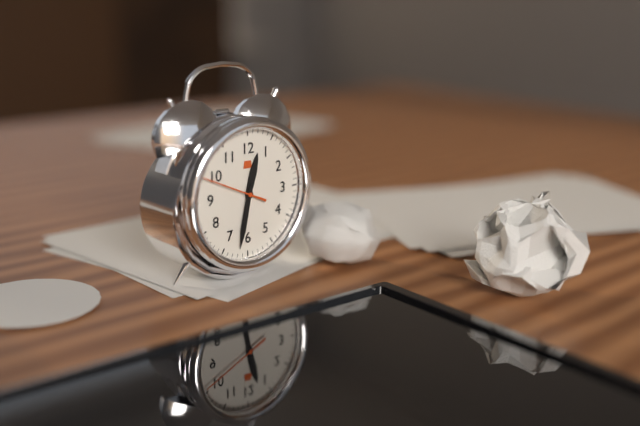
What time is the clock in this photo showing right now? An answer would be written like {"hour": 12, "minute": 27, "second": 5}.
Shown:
{"hour": 12, "minute": 32, "second": 49}
